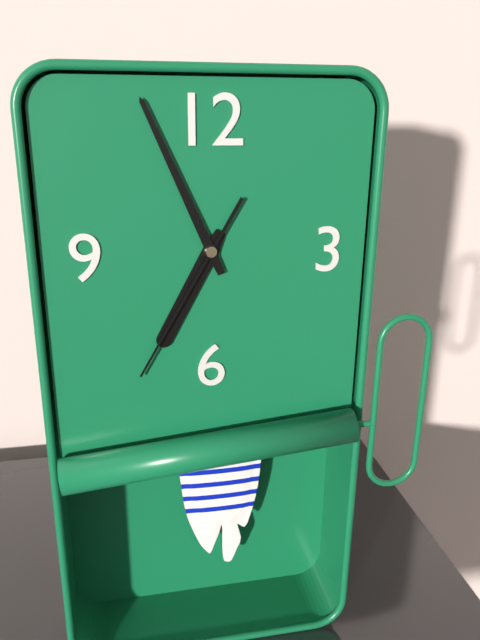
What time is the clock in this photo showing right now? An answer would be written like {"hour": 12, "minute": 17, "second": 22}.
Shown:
{"hour": 6, "minute": 56, "second": 35}
